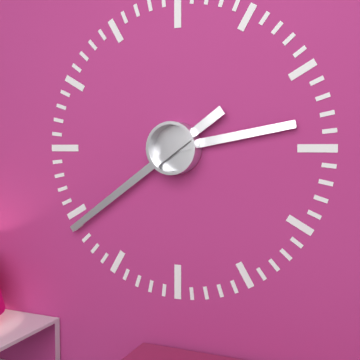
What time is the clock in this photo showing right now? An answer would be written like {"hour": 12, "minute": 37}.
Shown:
{"hour": 2, "minute": 39}
